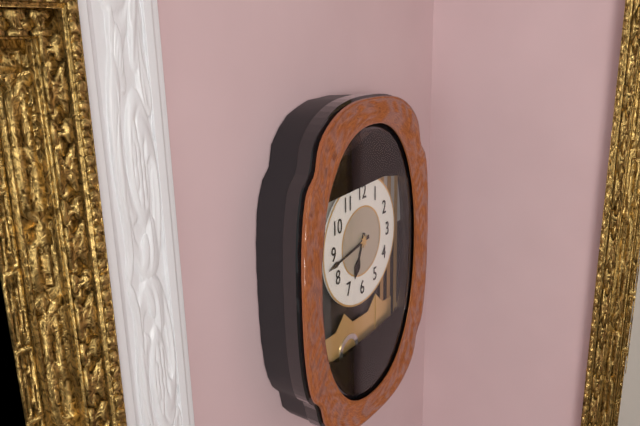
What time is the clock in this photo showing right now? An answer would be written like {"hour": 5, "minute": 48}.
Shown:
{"hour": 6, "minute": 43}
